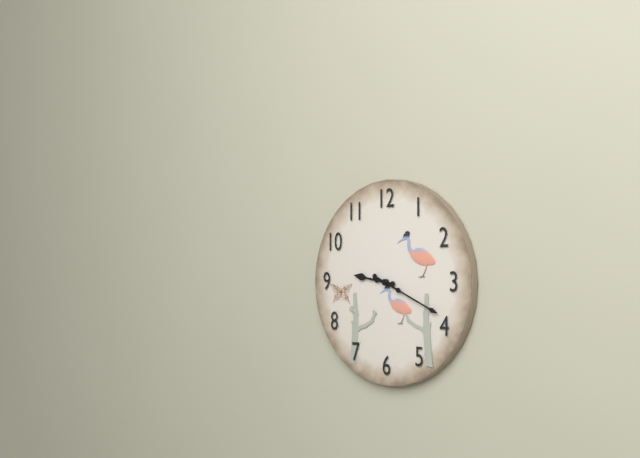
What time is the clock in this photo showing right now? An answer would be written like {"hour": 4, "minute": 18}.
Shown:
{"hour": 9, "minute": 19}
